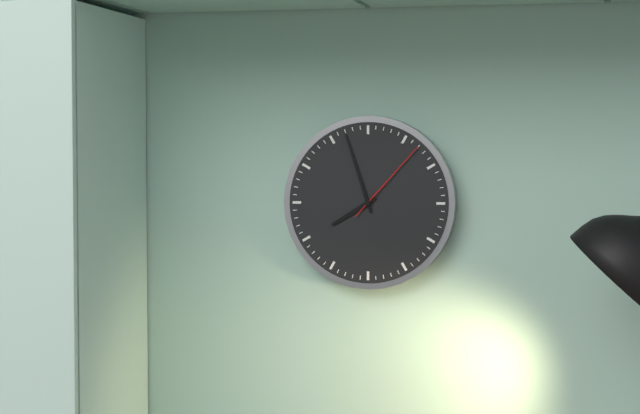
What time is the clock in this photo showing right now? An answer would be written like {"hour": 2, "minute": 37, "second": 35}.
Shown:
{"hour": 7, "minute": 57, "second": 7}
